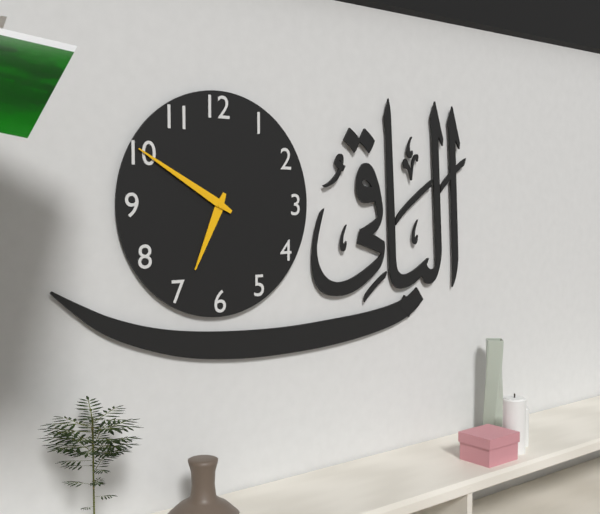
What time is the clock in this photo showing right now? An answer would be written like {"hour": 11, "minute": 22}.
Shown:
{"hour": 6, "minute": 50}
